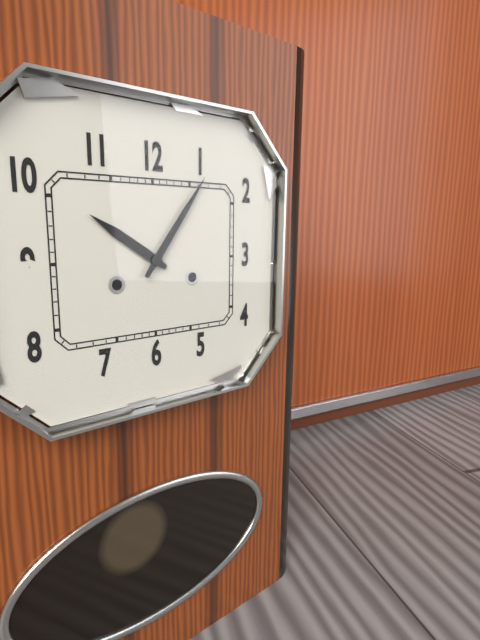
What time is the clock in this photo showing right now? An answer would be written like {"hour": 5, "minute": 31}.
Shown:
{"hour": 10, "minute": 6}
